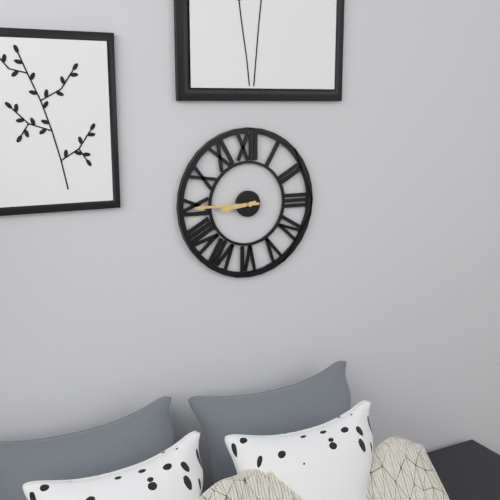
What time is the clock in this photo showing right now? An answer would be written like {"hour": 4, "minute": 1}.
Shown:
{"hour": 8, "minute": 45}
